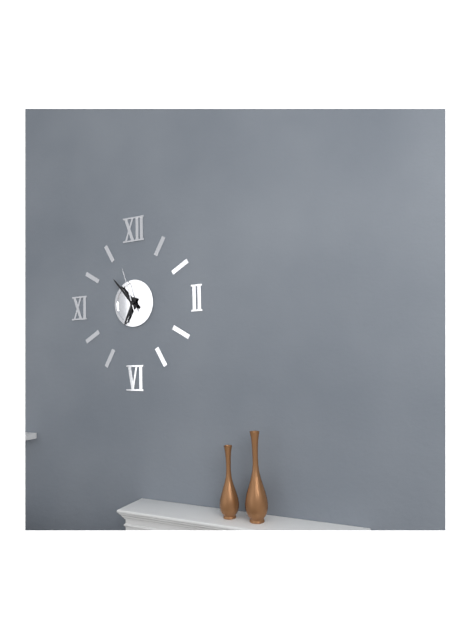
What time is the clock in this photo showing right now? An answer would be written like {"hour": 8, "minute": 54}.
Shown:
{"hour": 6, "minute": 53}
